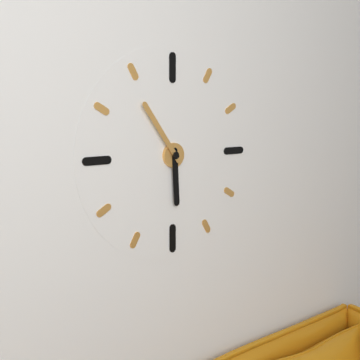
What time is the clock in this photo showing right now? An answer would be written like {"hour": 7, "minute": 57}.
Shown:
{"hour": 5, "minute": 54}
